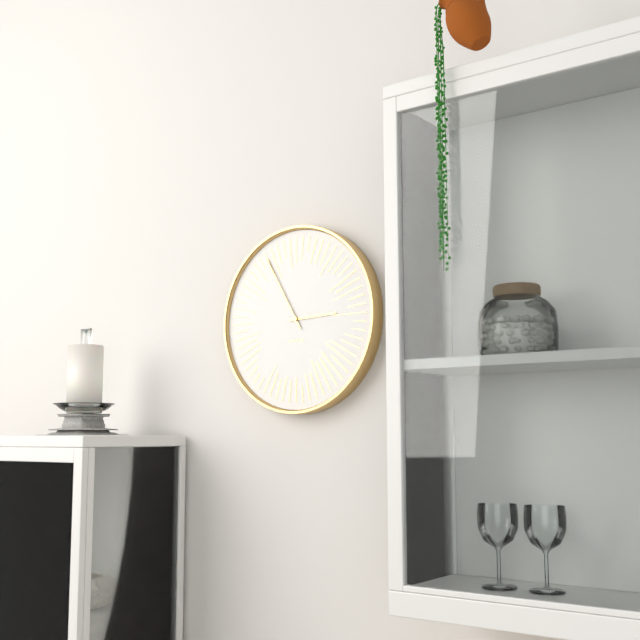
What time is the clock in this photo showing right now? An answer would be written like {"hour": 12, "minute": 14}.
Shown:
{"hour": 2, "minute": 55}
